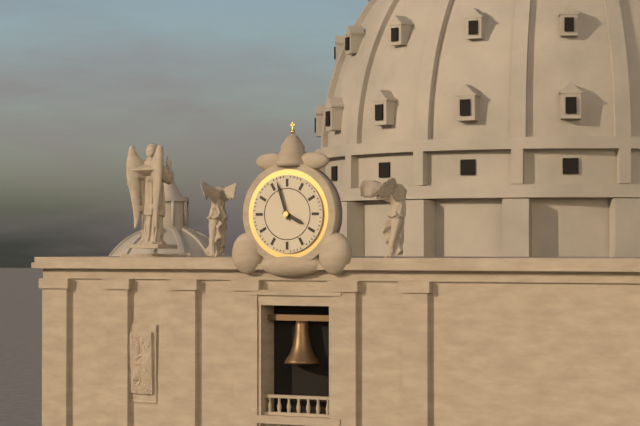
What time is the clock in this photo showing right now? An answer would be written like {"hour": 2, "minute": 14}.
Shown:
{"hour": 3, "minute": 57}
